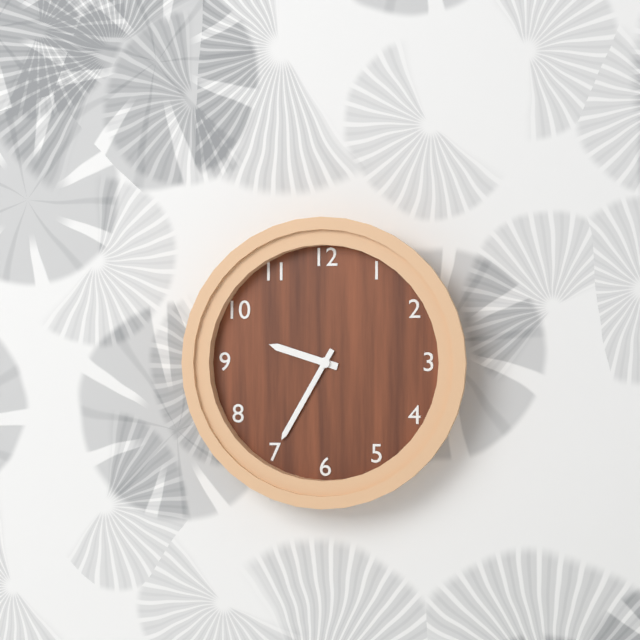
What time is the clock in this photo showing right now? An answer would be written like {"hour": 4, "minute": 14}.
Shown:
{"hour": 9, "minute": 35}
